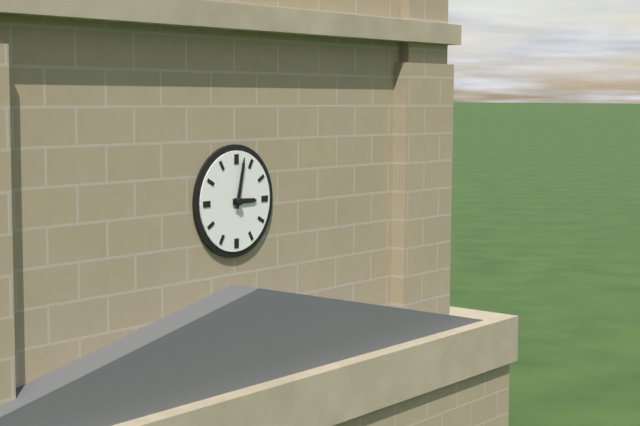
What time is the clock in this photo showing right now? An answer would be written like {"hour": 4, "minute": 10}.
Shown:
{"hour": 3, "minute": 2}
